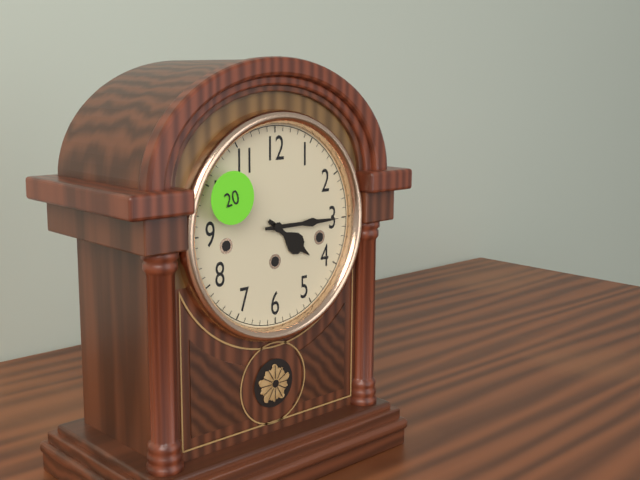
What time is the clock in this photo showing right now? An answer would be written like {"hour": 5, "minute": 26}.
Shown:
{"hour": 4, "minute": 15}
